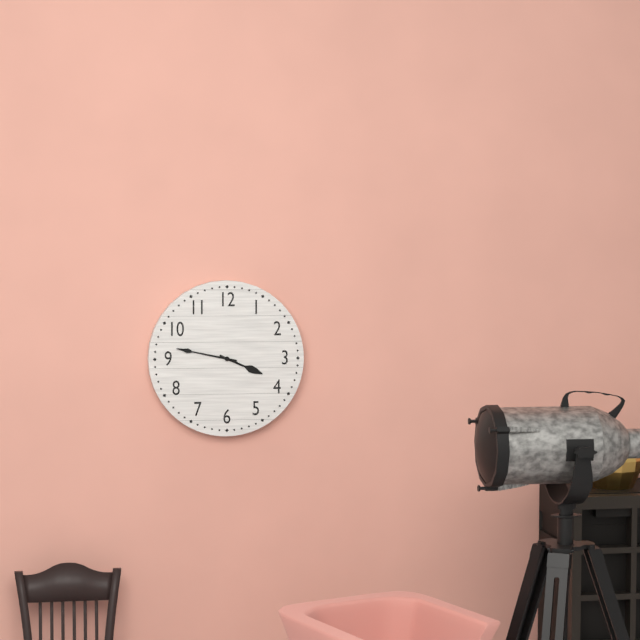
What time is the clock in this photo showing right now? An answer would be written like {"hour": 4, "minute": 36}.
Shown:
{"hour": 3, "minute": 47}
